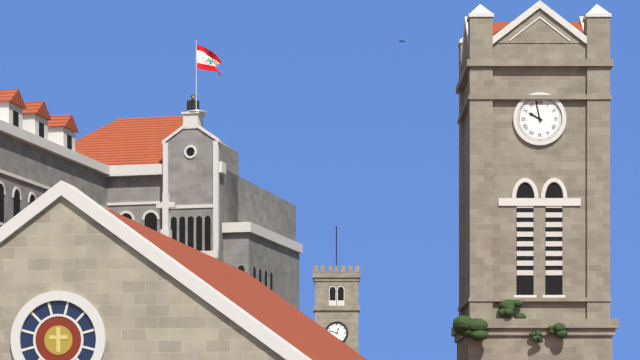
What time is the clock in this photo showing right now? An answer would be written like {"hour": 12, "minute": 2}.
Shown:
{"hour": 9, "minute": 58}
